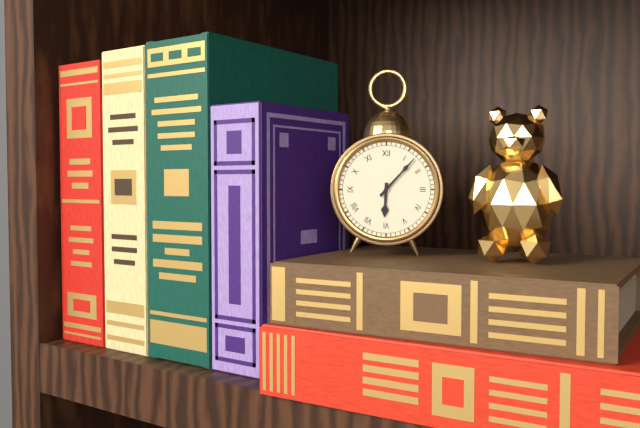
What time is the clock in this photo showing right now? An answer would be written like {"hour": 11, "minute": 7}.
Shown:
{"hour": 6, "minute": 7}
